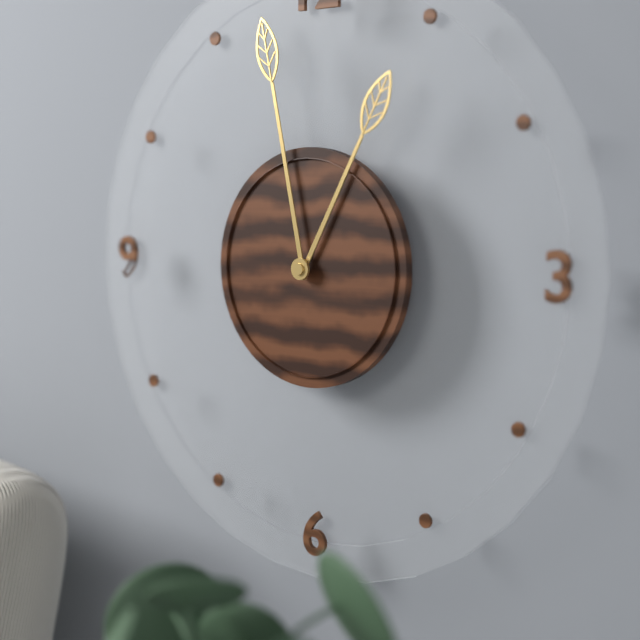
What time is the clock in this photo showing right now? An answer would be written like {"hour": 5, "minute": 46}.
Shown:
{"hour": 12, "minute": 58}
